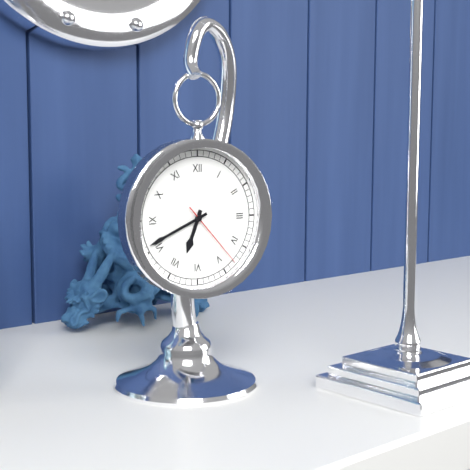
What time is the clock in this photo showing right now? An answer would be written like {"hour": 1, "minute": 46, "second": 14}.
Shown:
{"hour": 6, "minute": 41, "second": 23}
